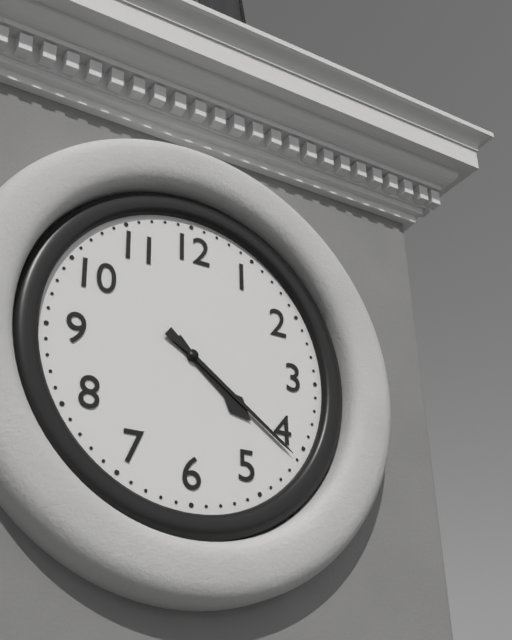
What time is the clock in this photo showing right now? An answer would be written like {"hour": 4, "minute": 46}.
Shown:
{"hour": 4, "minute": 21}
